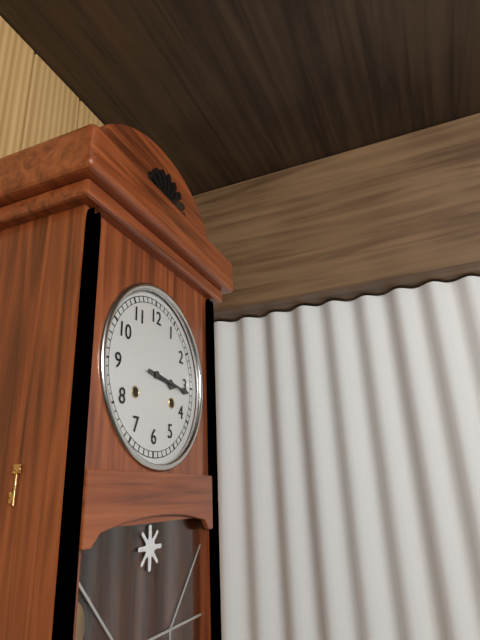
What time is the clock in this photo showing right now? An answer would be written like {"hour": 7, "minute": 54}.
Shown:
{"hour": 3, "minute": 16}
